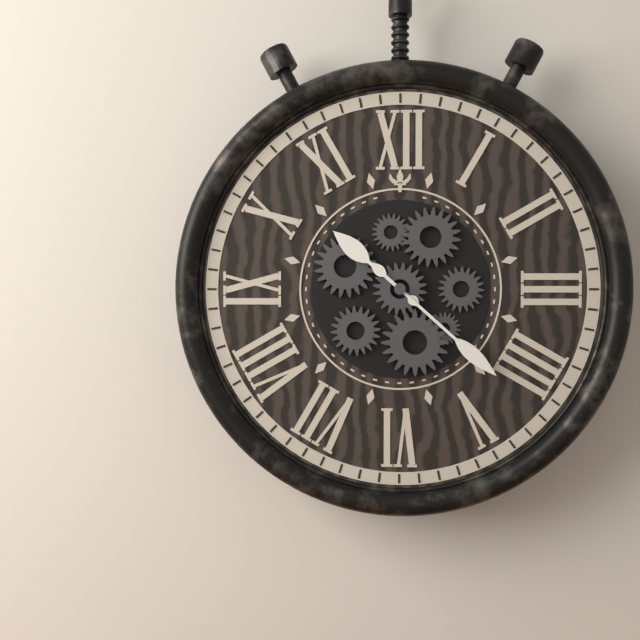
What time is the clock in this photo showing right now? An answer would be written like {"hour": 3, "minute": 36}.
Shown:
{"hour": 10, "minute": 22}
